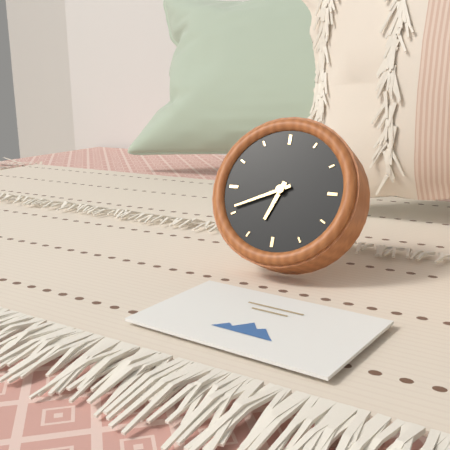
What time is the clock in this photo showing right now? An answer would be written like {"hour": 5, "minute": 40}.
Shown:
{"hour": 6, "minute": 41}
